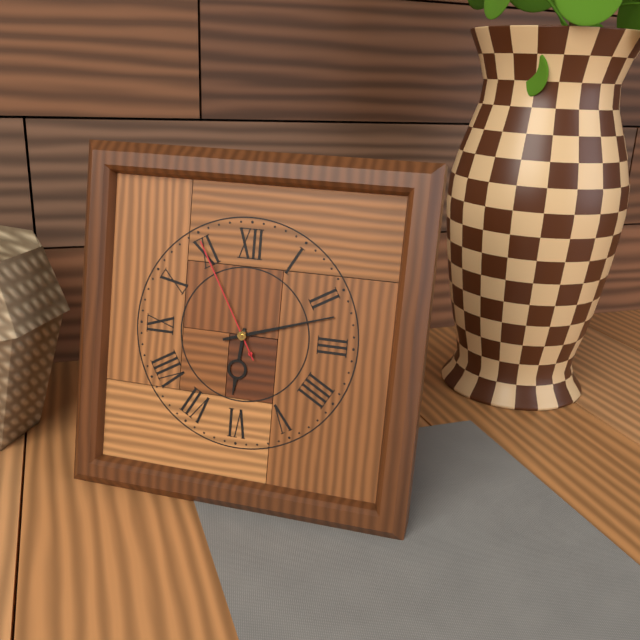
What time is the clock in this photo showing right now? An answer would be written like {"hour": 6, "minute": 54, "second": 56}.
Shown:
{"hour": 6, "minute": 12, "second": 55}
